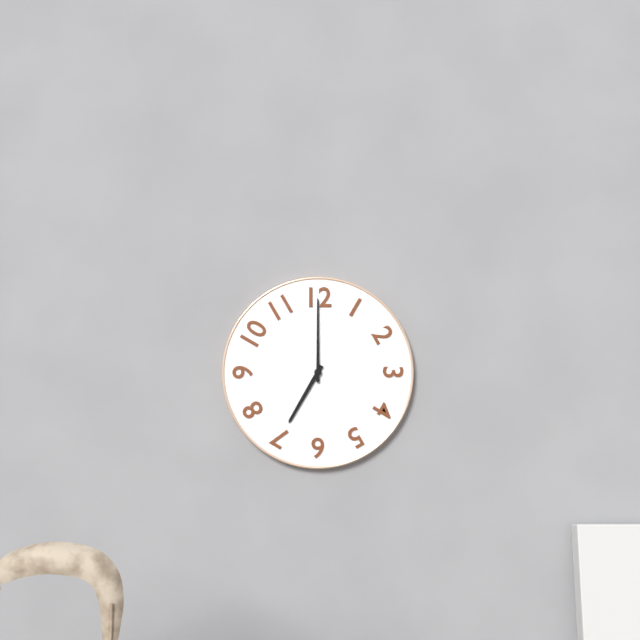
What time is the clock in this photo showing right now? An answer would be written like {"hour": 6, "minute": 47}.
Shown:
{"hour": 7, "minute": 0}
